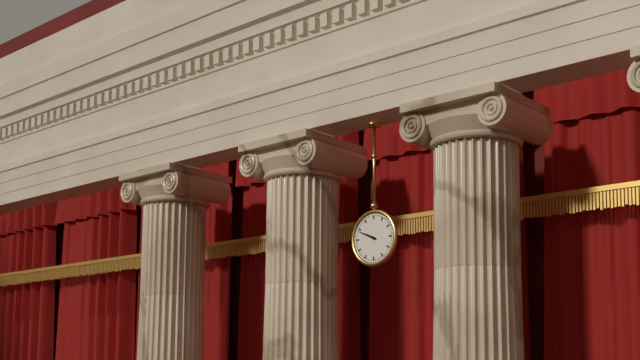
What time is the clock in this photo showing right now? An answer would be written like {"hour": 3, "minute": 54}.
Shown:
{"hour": 9, "minute": 49}
